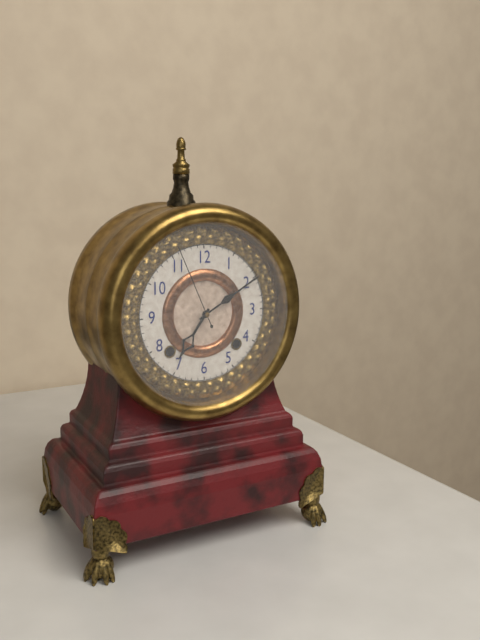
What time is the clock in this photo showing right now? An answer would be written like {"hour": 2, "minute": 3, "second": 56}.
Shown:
{"hour": 7, "minute": 10, "second": 56}
